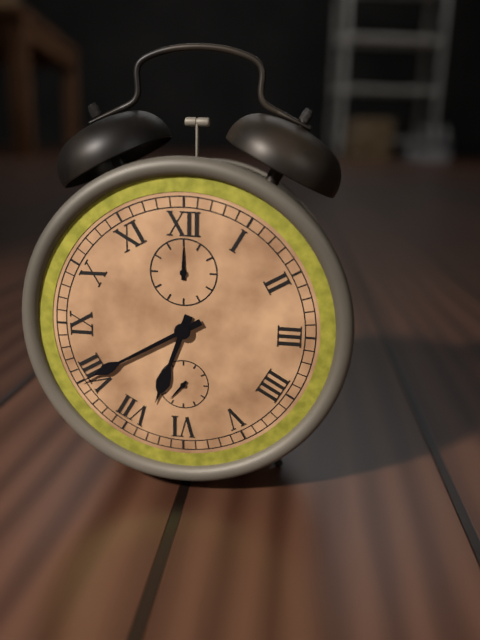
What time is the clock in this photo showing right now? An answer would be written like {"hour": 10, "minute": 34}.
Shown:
{"hour": 6, "minute": 40}
